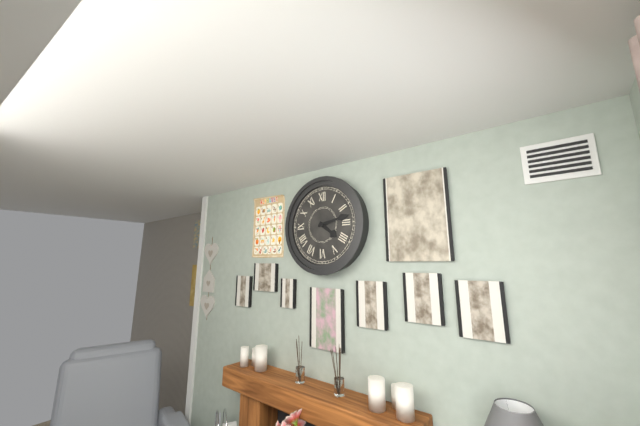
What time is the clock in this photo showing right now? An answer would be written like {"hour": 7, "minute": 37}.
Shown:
{"hour": 4, "minute": 13}
